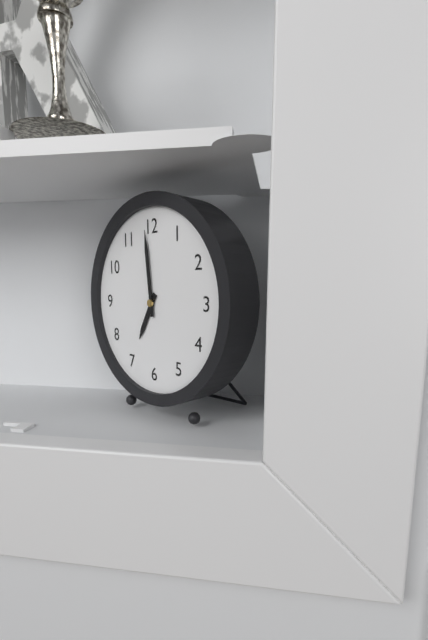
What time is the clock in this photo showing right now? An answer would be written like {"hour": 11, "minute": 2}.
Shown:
{"hour": 6, "minute": 59}
